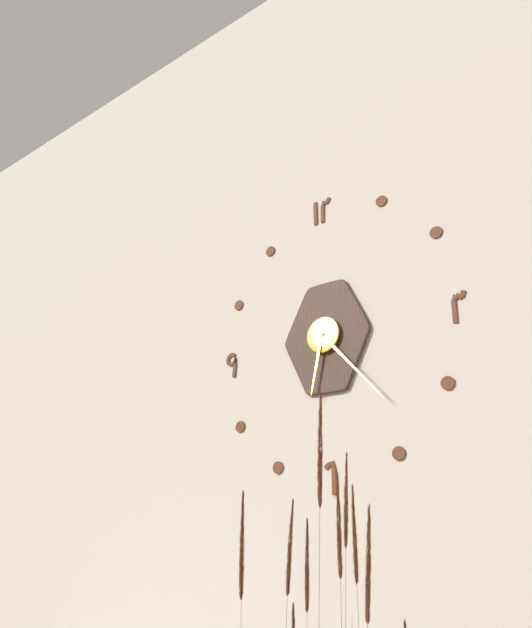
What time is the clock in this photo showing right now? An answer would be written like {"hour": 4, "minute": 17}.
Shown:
{"hour": 6, "minute": 23}
